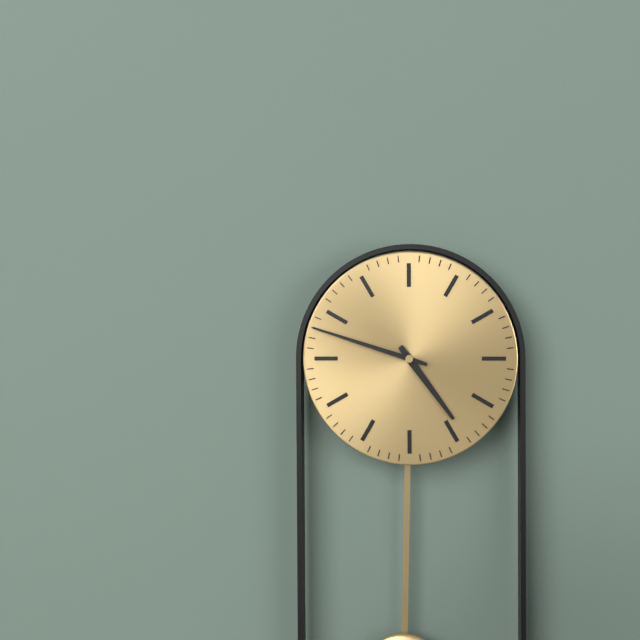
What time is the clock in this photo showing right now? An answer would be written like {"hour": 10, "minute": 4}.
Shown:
{"hour": 4, "minute": 48}
